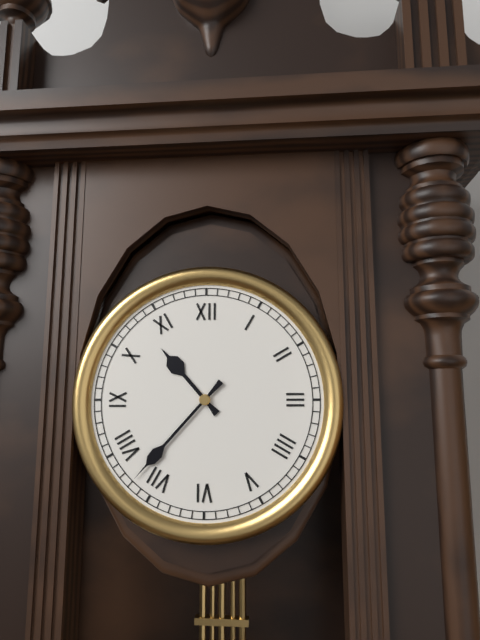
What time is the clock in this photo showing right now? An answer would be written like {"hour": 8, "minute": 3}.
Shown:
{"hour": 10, "minute": 37}
